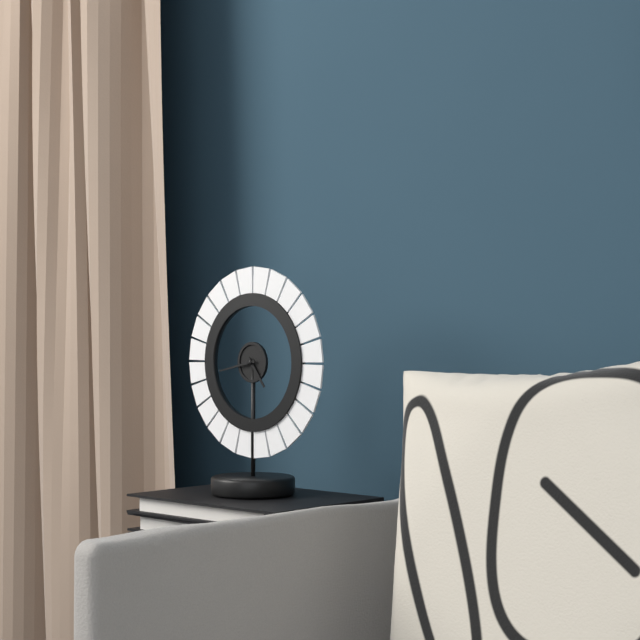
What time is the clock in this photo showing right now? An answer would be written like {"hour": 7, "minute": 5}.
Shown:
{"hour": 4, "minute": 43}
